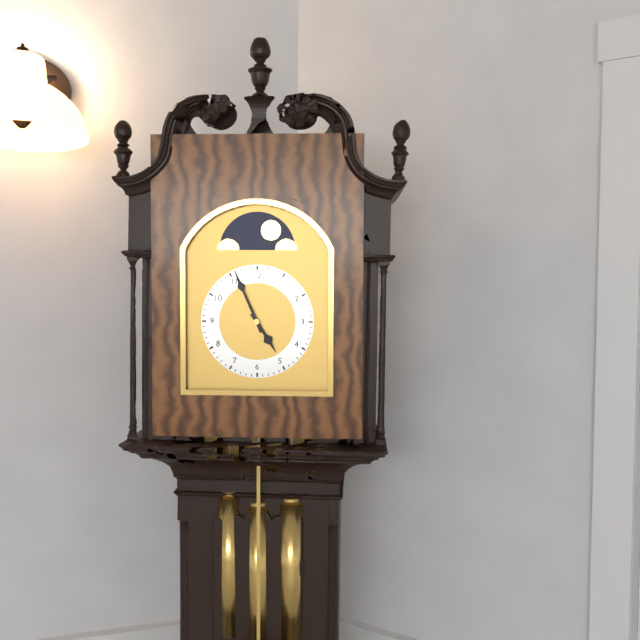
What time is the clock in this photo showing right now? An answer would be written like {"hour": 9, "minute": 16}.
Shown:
{"hour": 4, "minute": 56}
